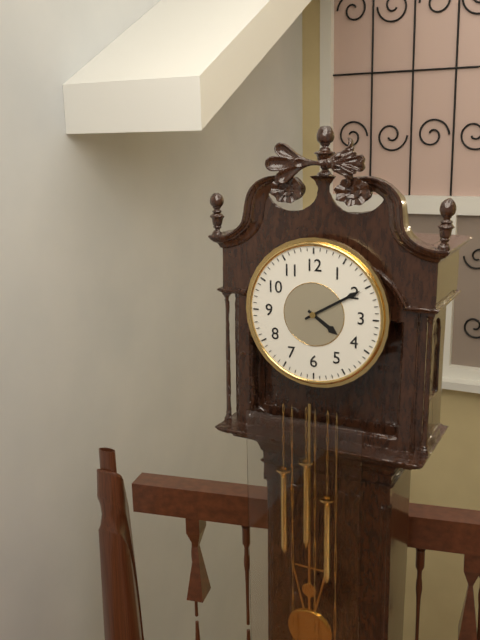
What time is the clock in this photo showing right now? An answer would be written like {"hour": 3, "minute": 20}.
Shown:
{"hour": 4, "minute": 10}
